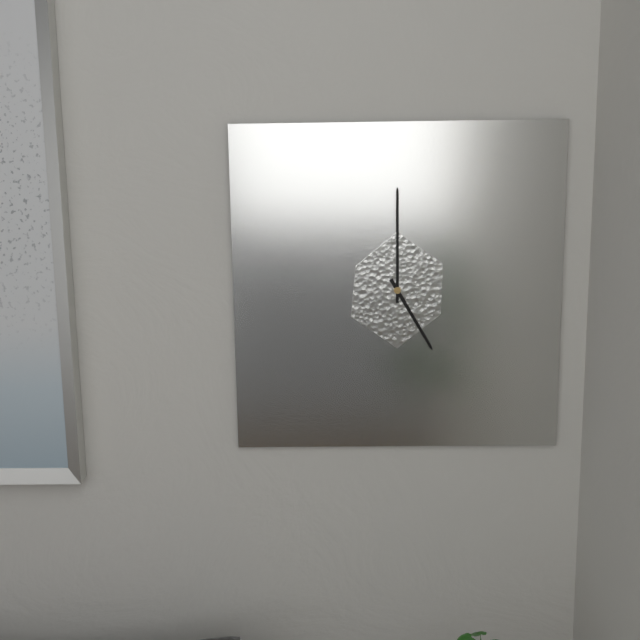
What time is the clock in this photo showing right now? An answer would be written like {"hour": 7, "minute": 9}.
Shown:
{"hour": 5, "minute": 0}
